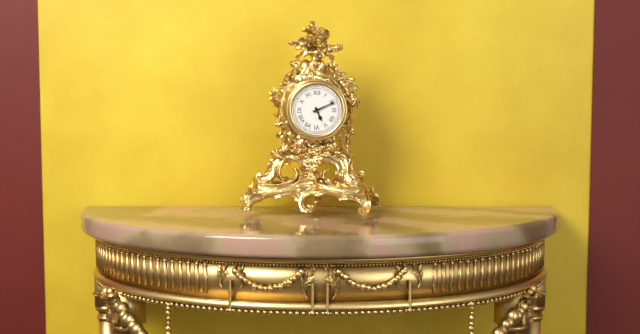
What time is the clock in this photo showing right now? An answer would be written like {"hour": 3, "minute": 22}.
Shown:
{"hour": 5, "minute": 11}
